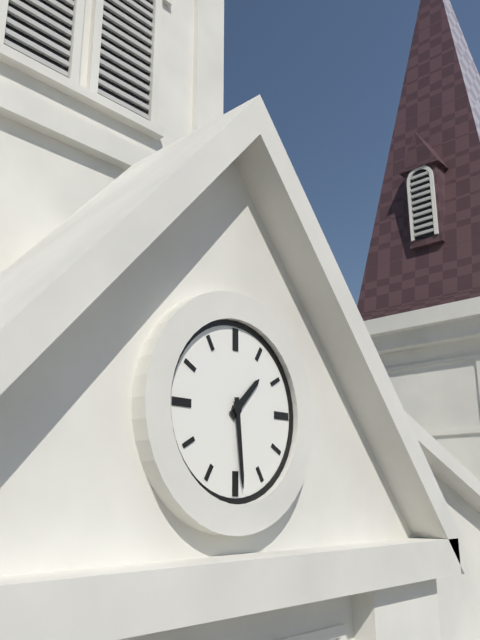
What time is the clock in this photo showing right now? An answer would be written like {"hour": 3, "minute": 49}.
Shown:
{"hour": 1, "minute": 29}
